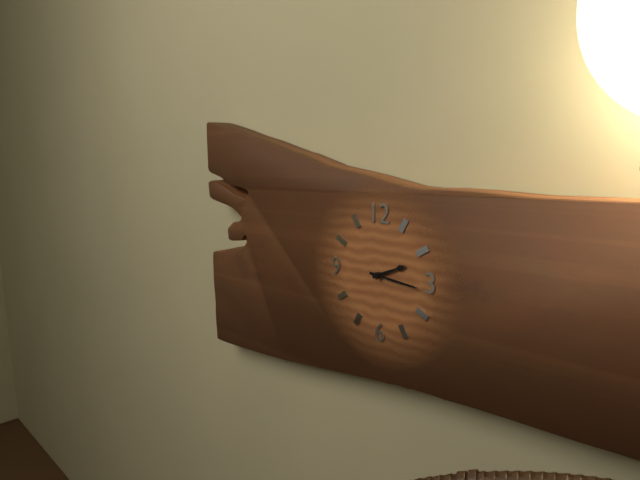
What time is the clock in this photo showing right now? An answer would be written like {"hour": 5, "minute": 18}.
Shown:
{"hour": 2, "minute": 16}
